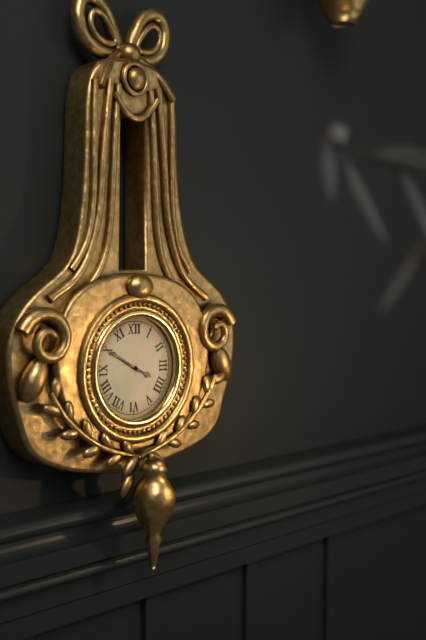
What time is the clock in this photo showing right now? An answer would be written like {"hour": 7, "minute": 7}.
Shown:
{"hour": 3, "minute": 50}
